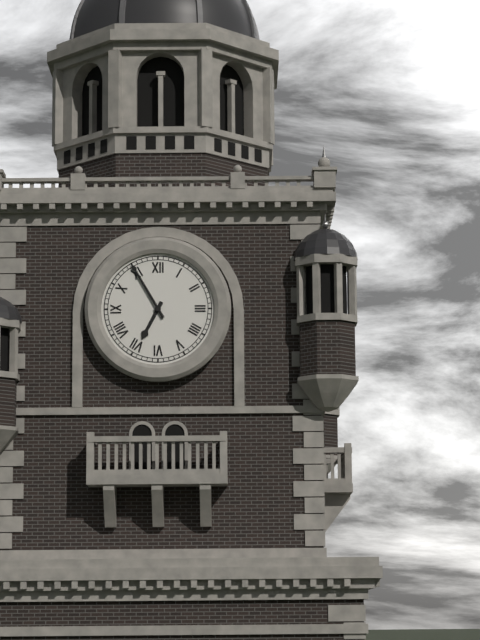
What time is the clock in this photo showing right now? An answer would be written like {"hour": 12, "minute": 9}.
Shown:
{"hour": 6, "minute": 55}
